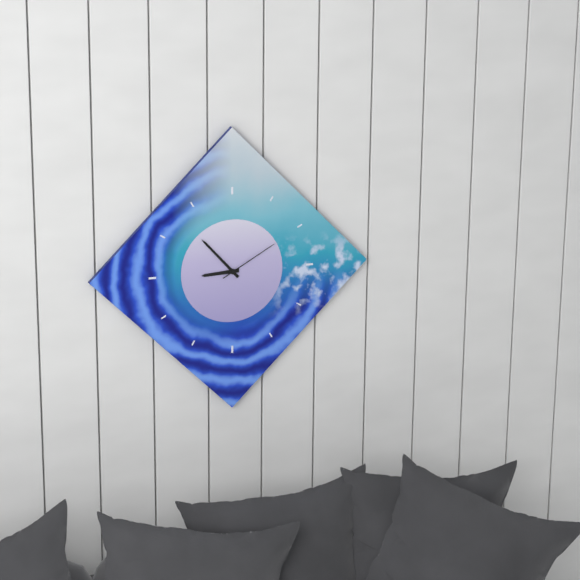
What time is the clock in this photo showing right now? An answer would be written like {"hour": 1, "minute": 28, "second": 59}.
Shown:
{"hour": 8, "minute": 53, "second": 10}
